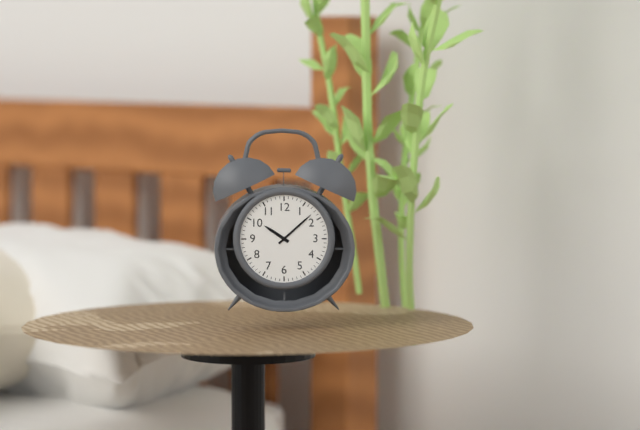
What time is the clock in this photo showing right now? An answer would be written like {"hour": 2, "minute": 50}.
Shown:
{"hour": 10, "minute": 8}
